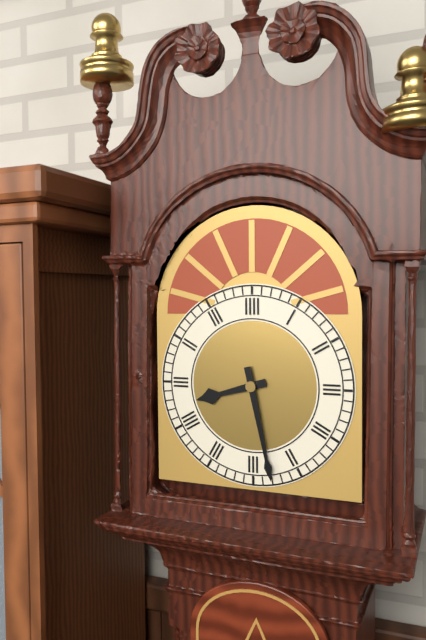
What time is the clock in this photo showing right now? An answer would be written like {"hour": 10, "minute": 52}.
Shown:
{"hour": 8, "minute": 28}
